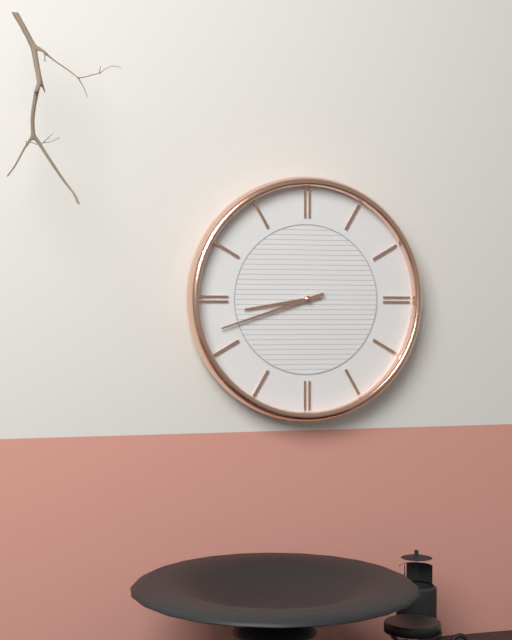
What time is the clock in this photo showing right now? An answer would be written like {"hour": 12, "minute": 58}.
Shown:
{"hour": 8, "minute": 42}
